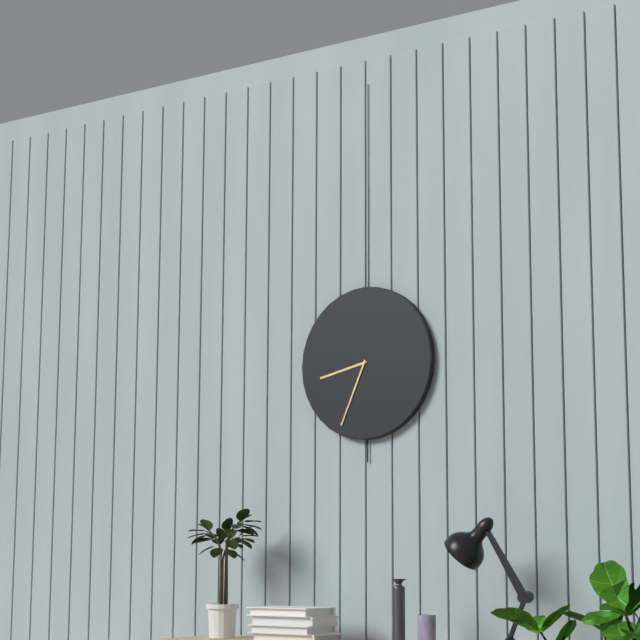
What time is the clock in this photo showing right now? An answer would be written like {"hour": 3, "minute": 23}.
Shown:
{"hour": 8, "minute": 34}
